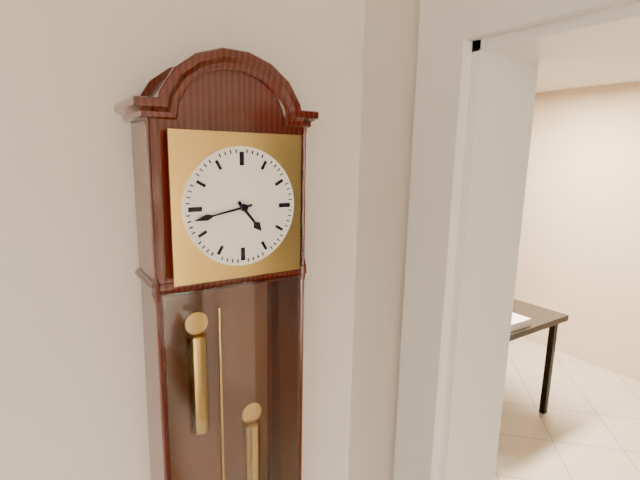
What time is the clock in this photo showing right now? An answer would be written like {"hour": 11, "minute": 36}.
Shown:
{"hour": 4, "minute": 43}
